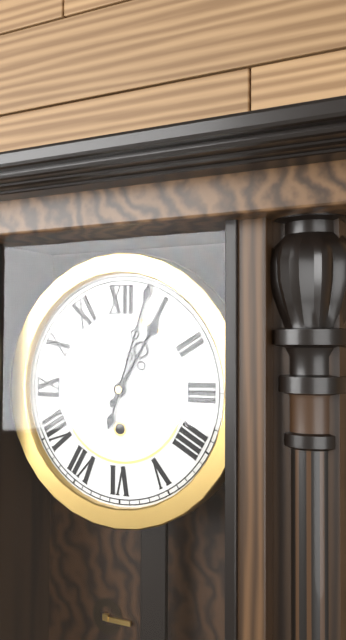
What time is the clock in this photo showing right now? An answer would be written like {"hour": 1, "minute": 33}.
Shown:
{"hour": 1, "minute": 3}
